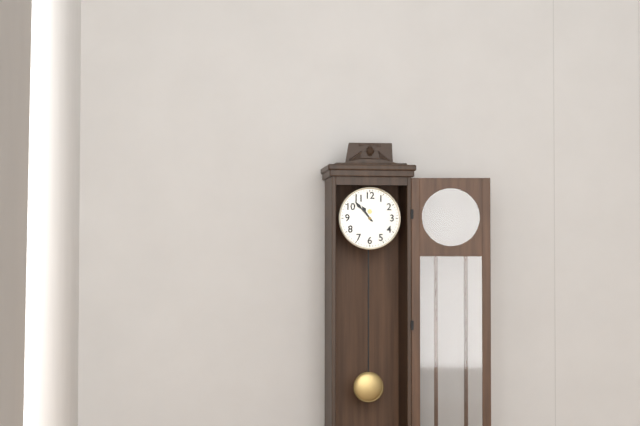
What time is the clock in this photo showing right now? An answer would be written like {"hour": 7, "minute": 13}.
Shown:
{"hour": 10, "minute": 53}
